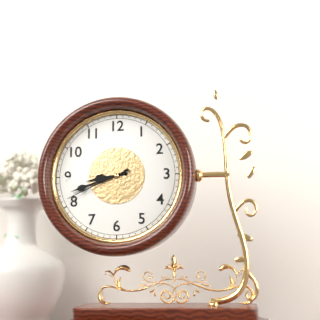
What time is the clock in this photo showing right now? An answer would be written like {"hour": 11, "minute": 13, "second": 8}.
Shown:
{"hour": 8, "minute": 42, "second": 41}
